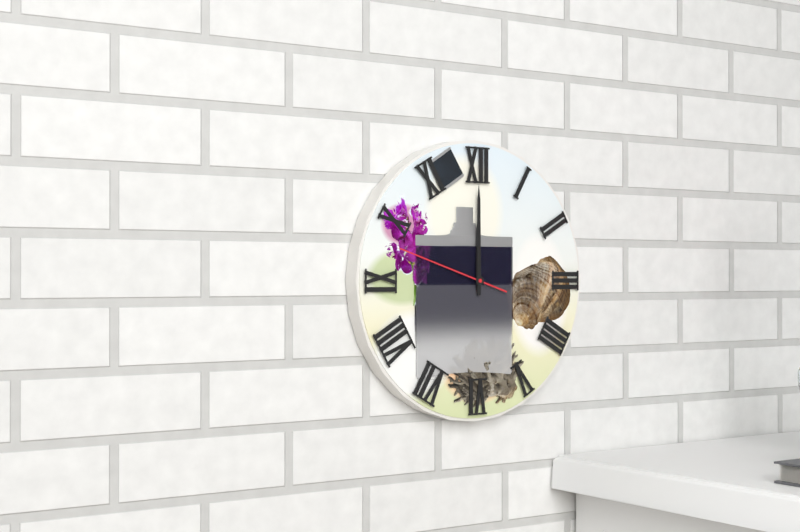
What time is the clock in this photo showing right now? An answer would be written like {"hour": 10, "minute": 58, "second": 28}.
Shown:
{"hour": 12, "minute": 0, "second": 48}
